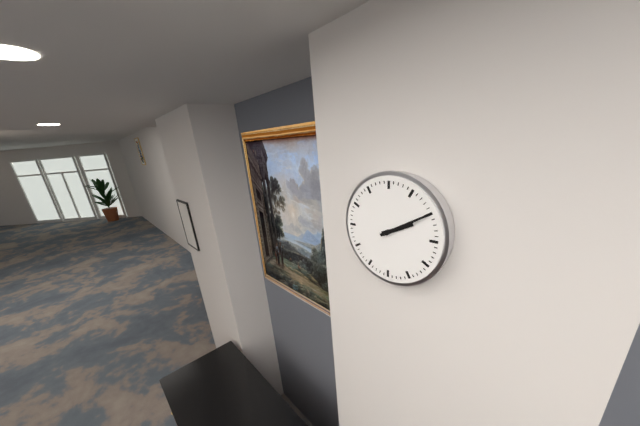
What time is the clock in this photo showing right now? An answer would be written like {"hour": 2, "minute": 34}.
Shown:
{"hour": 2, "minute": 10}
